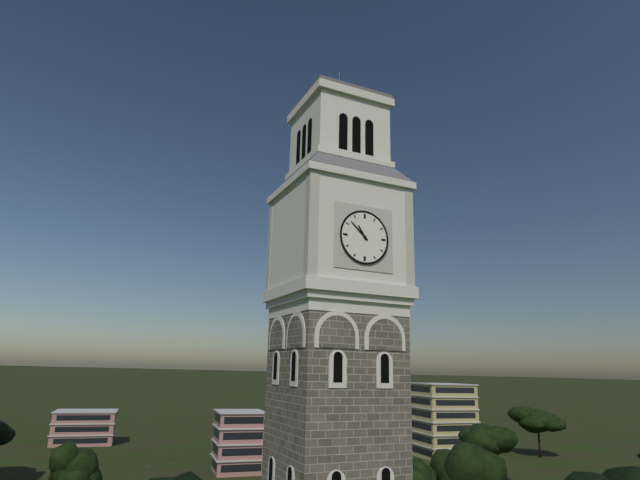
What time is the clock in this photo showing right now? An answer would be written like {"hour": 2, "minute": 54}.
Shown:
{"hour": 10, "minute": 52}
